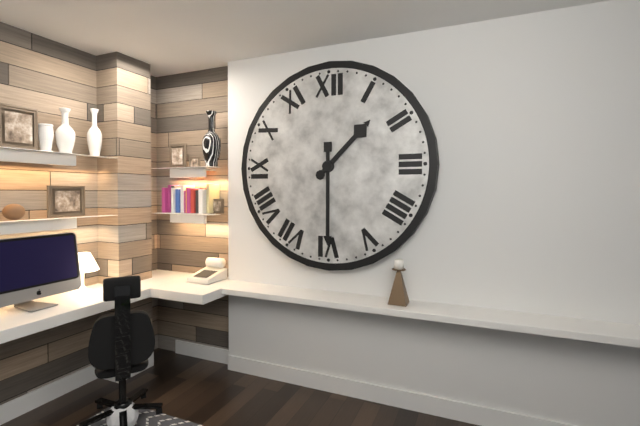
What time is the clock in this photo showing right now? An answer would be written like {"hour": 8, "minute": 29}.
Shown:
{"hour": 1, "minute": 30}
